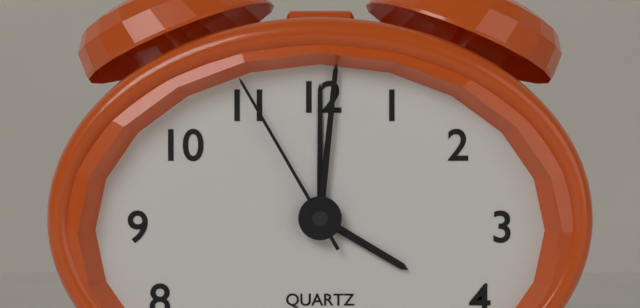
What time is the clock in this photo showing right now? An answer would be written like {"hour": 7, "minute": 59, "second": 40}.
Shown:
{"hour": 4, "minute": 1, "second": 55}
